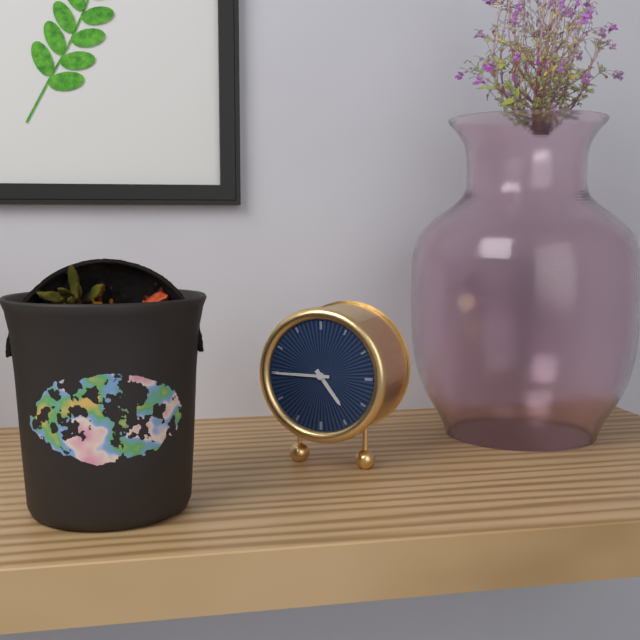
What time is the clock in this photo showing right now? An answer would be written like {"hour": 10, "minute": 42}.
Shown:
{"hour": 4, "minute": 45}
